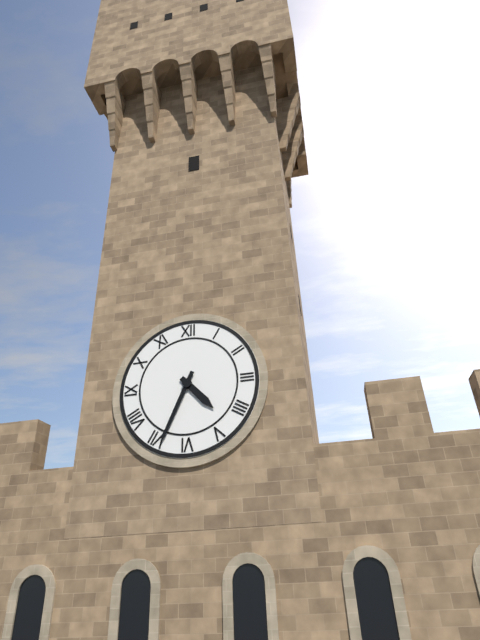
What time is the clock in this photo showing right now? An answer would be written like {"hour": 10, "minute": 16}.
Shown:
{"hour": 4, "minute": 34}
